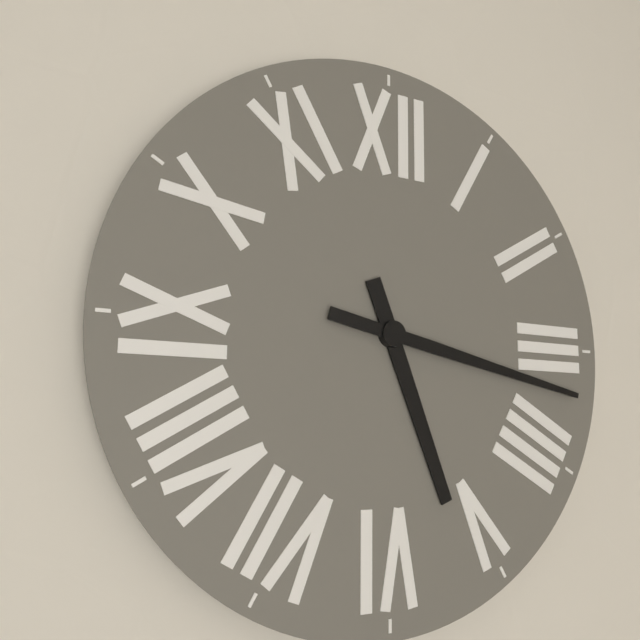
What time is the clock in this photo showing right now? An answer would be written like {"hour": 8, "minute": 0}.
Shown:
{"hour": 5, "minute": 17}
